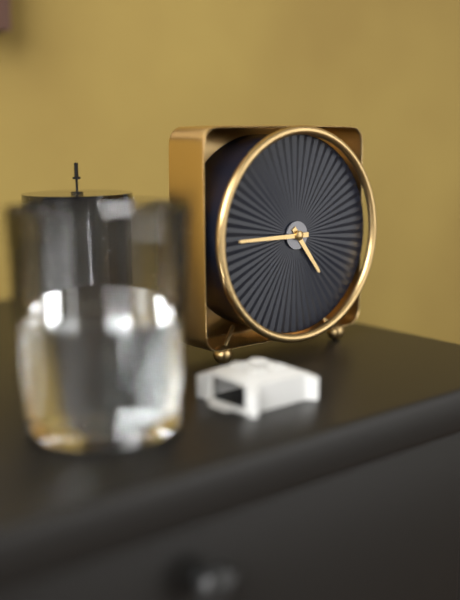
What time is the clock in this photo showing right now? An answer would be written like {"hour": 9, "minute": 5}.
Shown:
{"hour": 4, "minute": 45}
